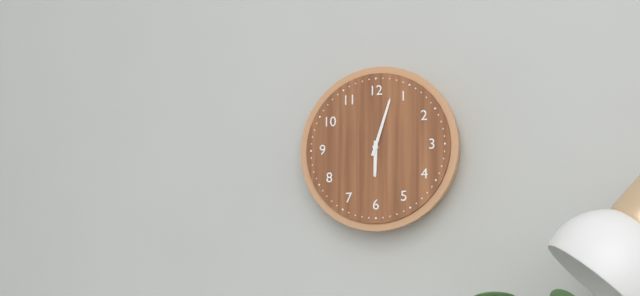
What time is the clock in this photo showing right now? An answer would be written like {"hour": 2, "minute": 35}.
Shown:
{"hour": 6, "minute": 3}
